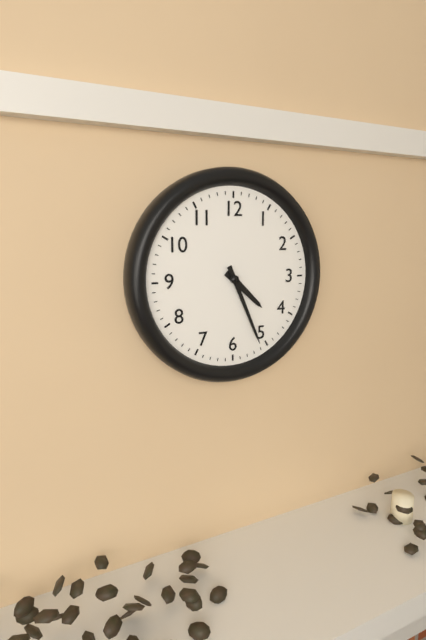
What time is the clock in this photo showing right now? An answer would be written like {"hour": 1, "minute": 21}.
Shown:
{"hour": 4, "minute": 26}
